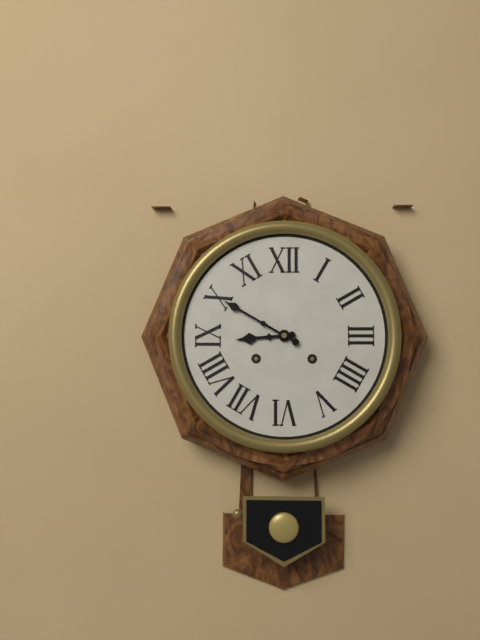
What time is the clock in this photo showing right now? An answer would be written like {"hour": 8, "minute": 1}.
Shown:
{"hour": 8, "minute": 50}
